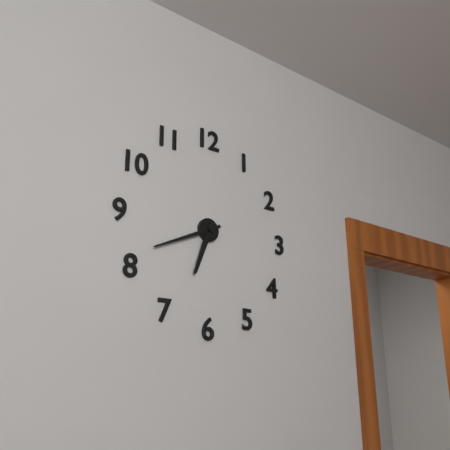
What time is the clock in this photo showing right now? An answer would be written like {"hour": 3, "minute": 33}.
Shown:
{"hour": 6, "minute": 41}
